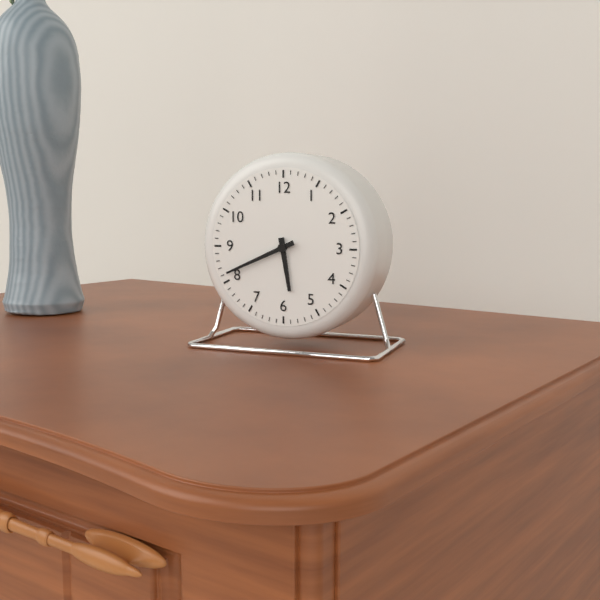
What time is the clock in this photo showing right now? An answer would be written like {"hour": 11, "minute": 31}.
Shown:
{"hour": 5, "minute": 41}
